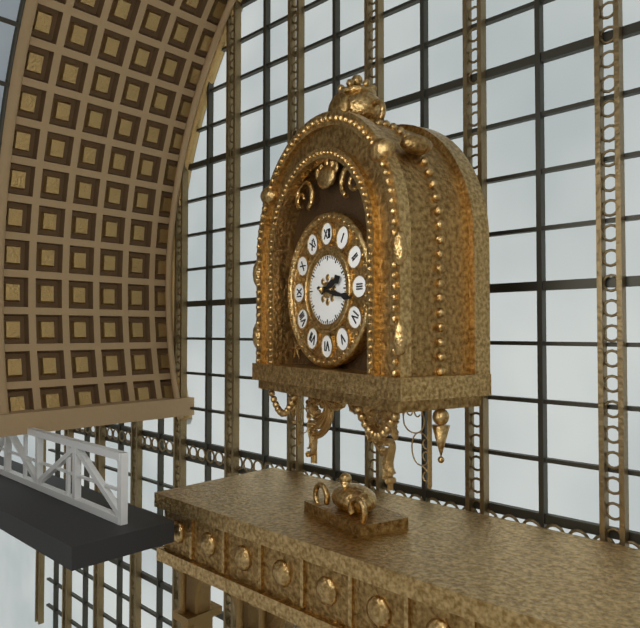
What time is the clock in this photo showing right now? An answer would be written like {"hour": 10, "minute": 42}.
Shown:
{"hour": 2, "minute": 17}
